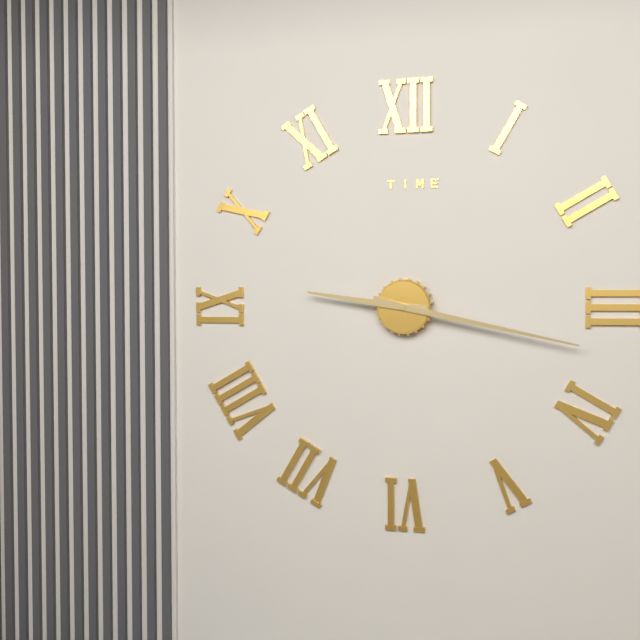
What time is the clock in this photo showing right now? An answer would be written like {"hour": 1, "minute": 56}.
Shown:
{"hour": 9, "minute": 17}
